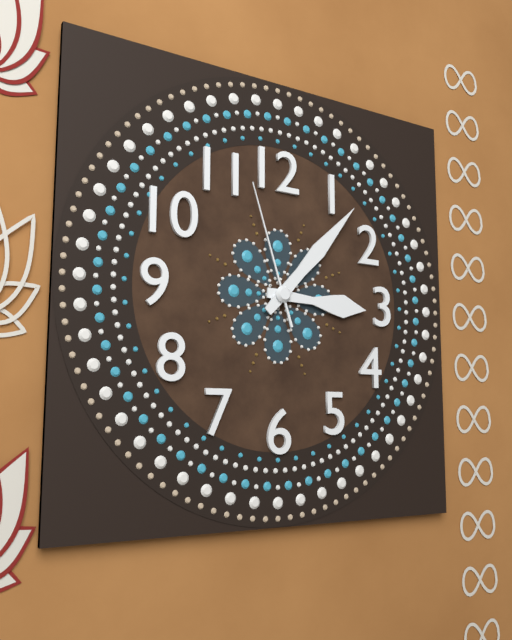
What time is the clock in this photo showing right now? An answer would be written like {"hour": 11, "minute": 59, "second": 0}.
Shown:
{"hour": 3, "minute": 7, "second": 57}
